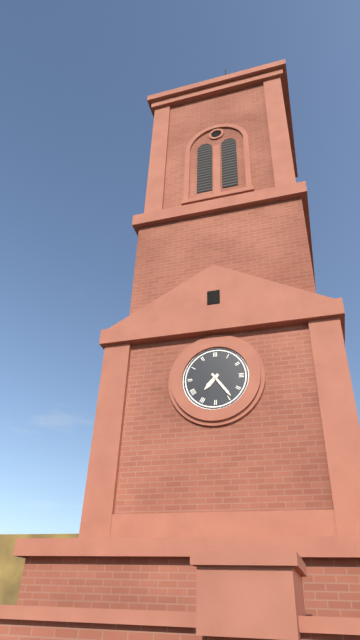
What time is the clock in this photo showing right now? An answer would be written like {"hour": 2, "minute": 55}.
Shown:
{"hour": 7, "minute": 24}
